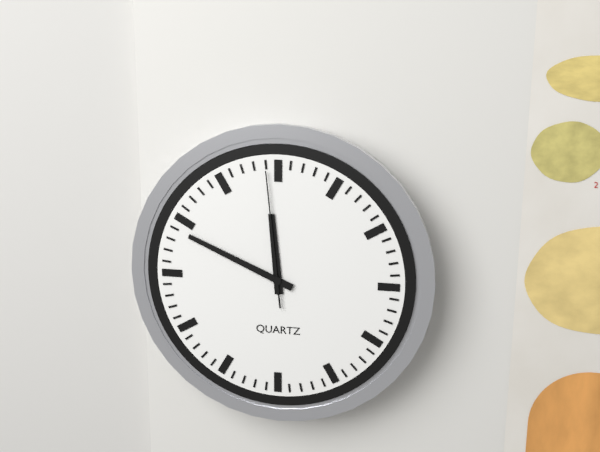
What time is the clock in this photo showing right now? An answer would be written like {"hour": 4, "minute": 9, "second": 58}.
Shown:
{"hour": 11, "minute": 49, "second": 59}
